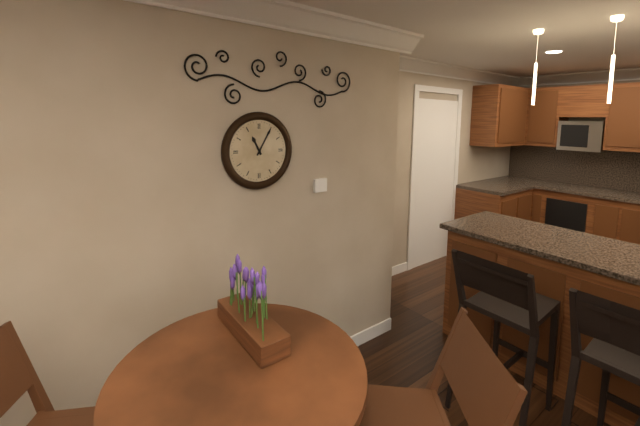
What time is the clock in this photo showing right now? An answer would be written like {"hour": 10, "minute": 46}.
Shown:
{"hour": 11, "minute": 5}
